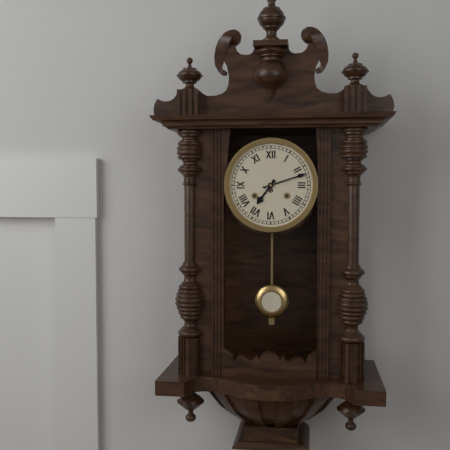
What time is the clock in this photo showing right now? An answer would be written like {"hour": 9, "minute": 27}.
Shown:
{"hour": 7, "minute": 12}
